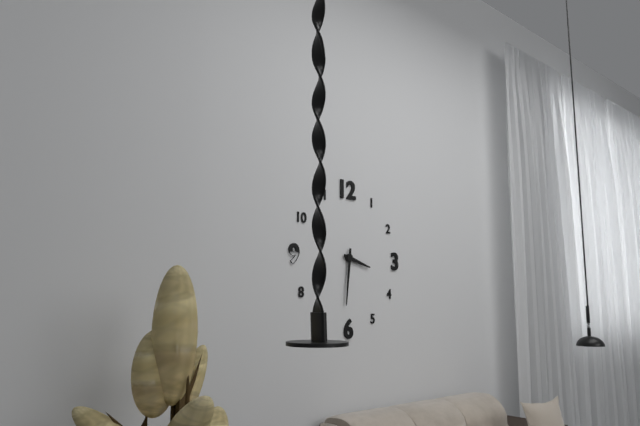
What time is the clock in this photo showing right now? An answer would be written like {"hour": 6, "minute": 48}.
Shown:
{"hour": 3, "minute": 31}
